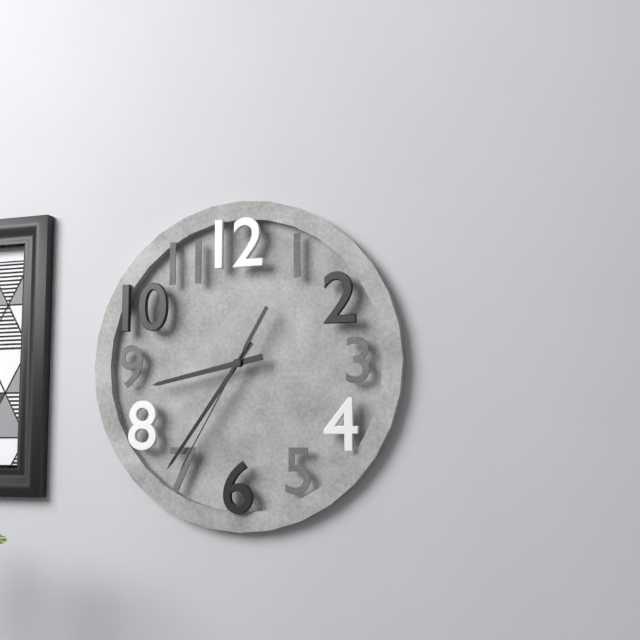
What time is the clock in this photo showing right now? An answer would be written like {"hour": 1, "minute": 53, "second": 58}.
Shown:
{"hour": 8, "minute": 36, "second": 35}
